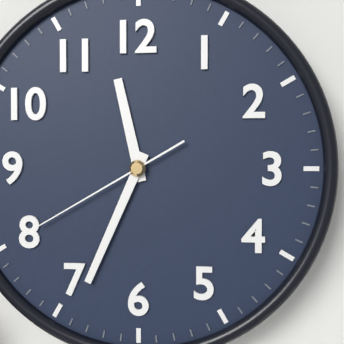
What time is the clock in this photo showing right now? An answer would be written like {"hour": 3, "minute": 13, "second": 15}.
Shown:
{"hour": 11, "minute": 34, "second": 40}
